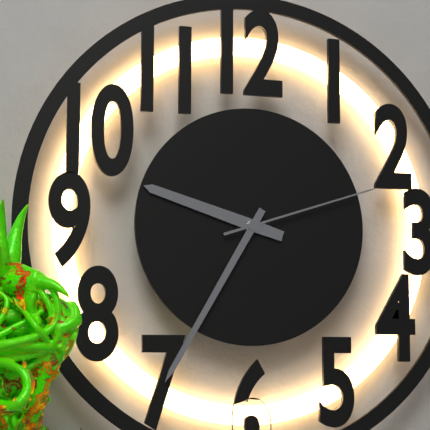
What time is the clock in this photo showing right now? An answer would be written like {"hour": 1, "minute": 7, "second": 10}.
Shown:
{"hour": 9, "minute": 35, "second": 12}
